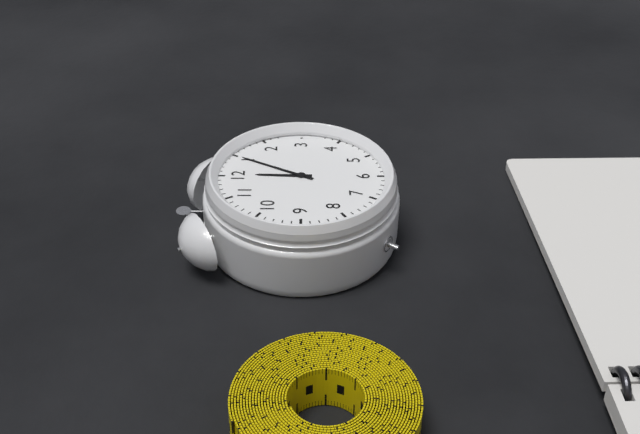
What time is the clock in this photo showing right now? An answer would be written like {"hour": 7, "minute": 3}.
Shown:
{"hour": 12, "minute": 5}
